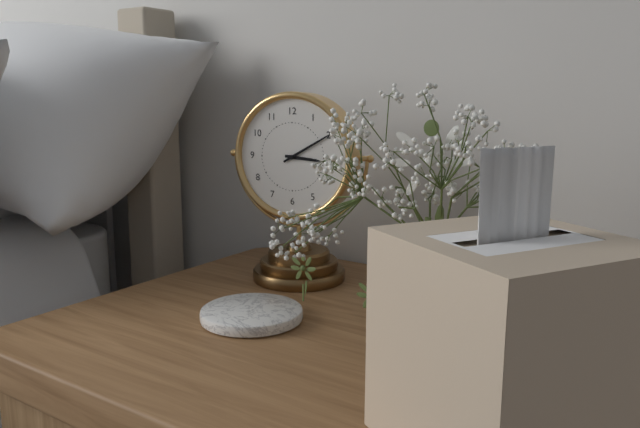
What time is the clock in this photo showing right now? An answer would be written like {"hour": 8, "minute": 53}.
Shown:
{"hour": 3, "minute": 10}
